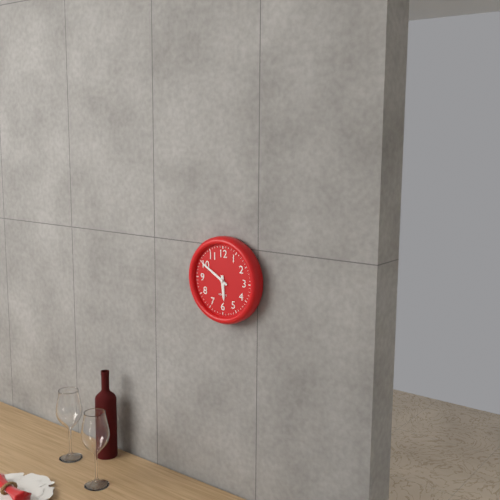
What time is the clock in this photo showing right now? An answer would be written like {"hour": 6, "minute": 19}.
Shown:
{"hour": 5, "minute": 50}
